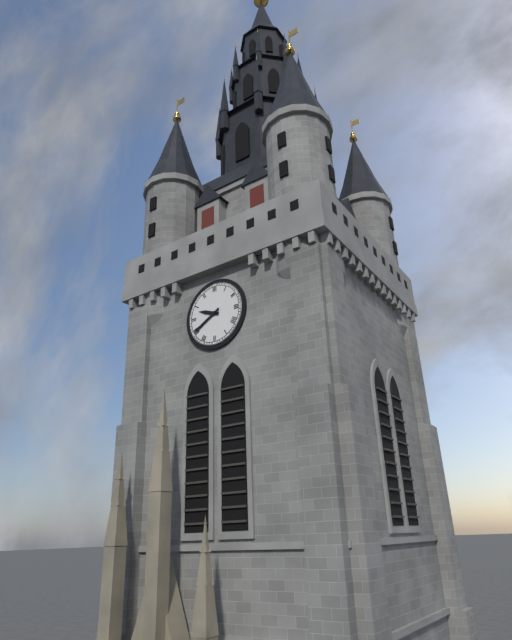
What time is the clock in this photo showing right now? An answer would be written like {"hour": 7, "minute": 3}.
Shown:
{"hour": 9, "minute": 40}
